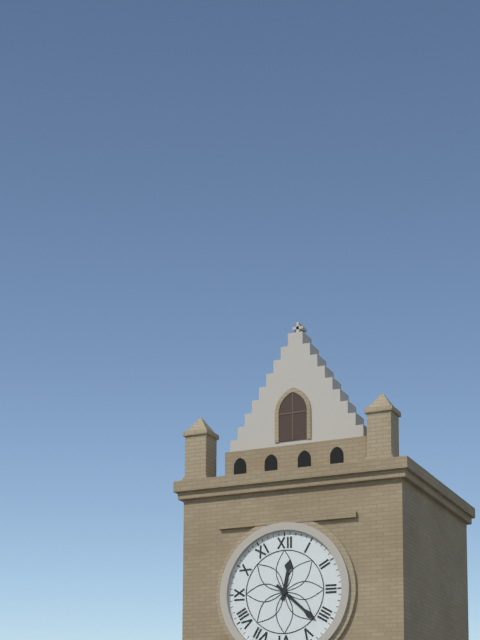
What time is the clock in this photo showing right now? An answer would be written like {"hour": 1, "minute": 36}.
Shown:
{"hour": 12, "minute": 22}
